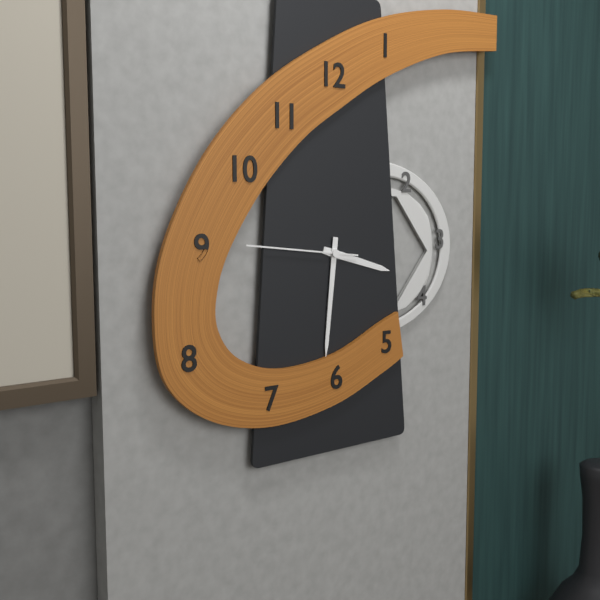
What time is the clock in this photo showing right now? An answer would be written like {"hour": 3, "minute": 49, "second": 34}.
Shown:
{"hour": 3, "minute": 31, "second": 46}
